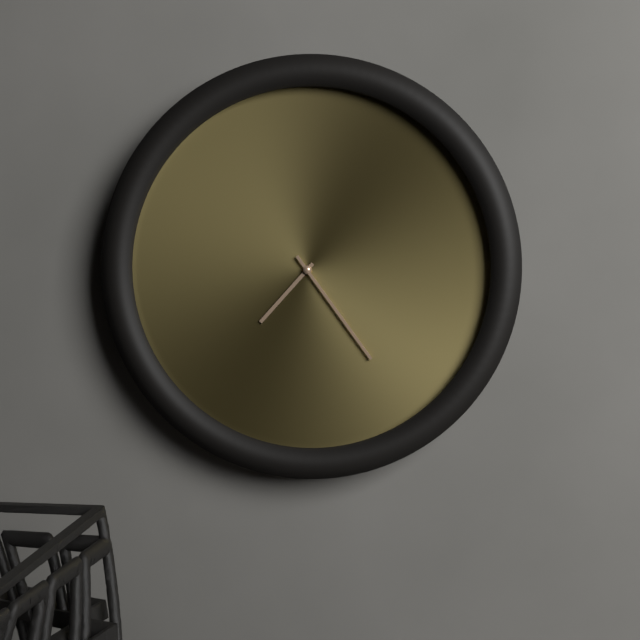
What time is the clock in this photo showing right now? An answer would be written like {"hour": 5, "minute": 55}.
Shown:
{"hour": 7, "minute": 24}
